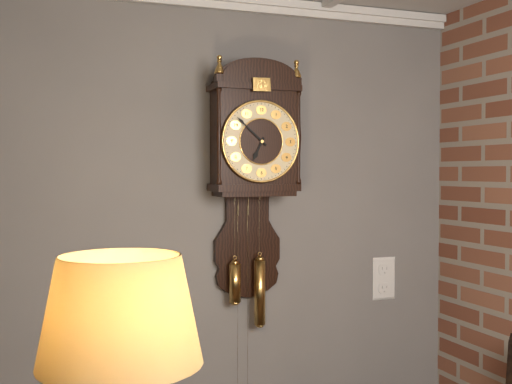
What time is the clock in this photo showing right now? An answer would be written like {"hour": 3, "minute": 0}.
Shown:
{"hour": 6, "minute": 52}
